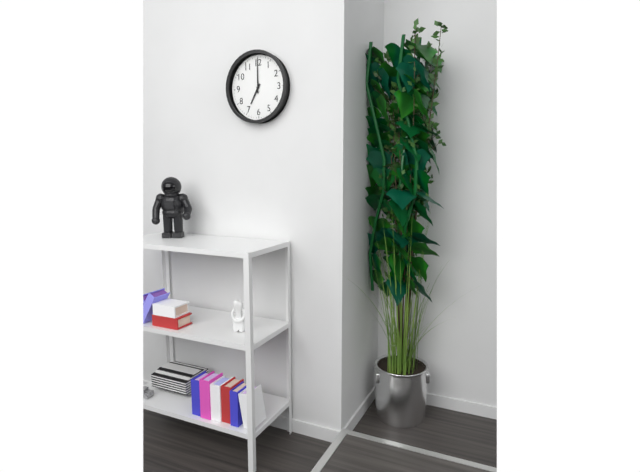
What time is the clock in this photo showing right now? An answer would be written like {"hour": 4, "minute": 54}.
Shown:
{"hour": 7, "minute": 0}
